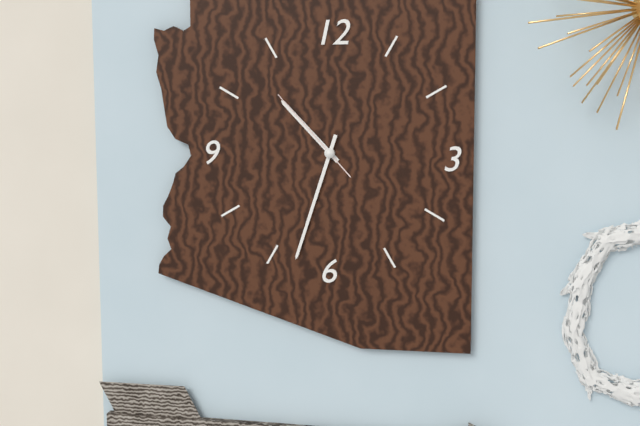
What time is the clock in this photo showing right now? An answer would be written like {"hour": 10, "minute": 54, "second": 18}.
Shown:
{"hour": 10, "minute": 33, "second": 53}
